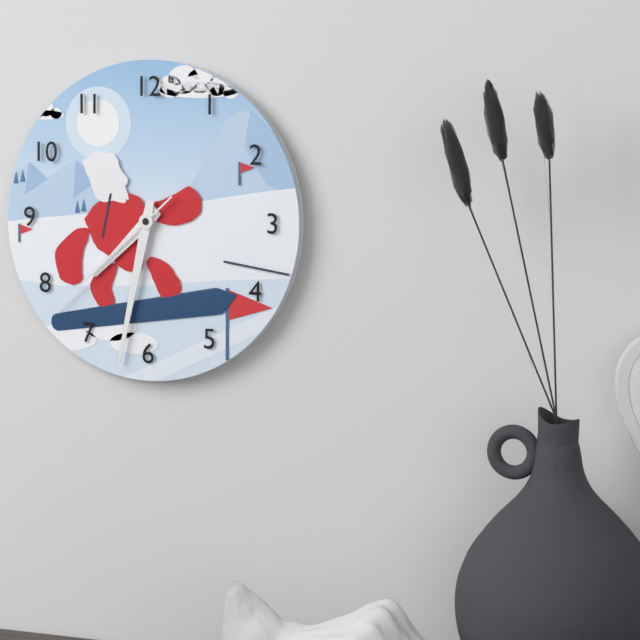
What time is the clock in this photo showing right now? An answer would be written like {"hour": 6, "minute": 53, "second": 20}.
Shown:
{"hour": 7, "minute": 32, "second": 38}
